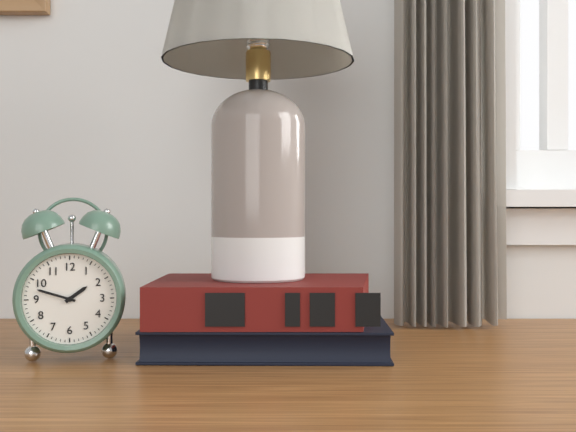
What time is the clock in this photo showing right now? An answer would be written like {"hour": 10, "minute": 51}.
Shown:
{"hour": 1, "minute": 48}
